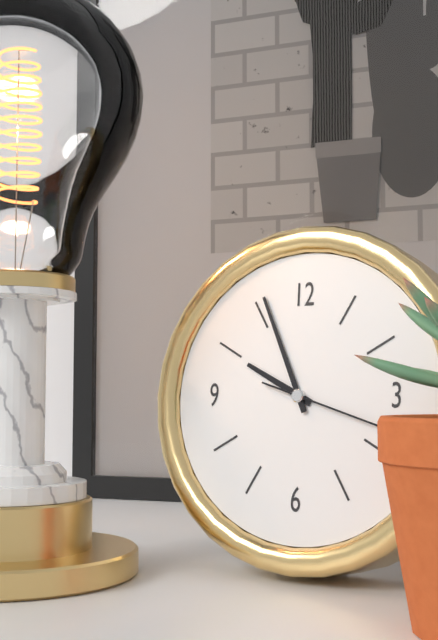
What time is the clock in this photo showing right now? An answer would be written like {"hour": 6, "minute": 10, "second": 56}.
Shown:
{"hour": 9, "minute": 56, "second": 18}
